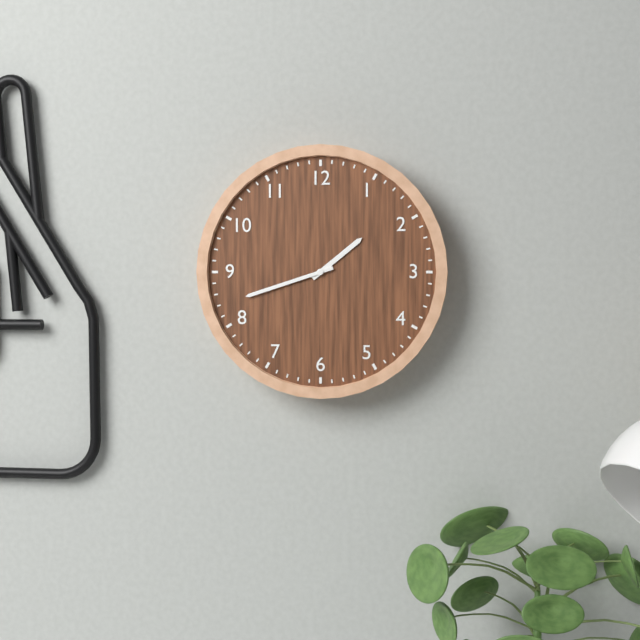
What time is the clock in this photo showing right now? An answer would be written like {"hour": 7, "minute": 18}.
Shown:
{"hour": 1, "minute": 42}
